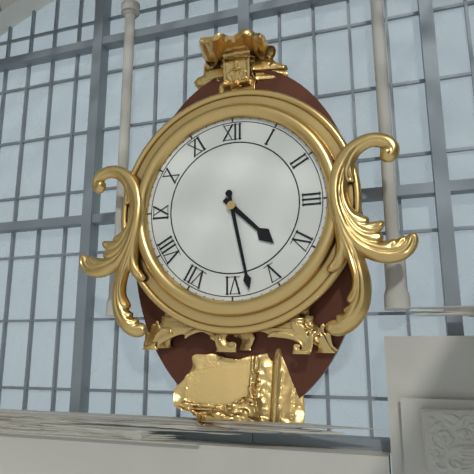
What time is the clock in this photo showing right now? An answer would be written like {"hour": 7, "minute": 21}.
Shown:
{"hour": 4, "minute": 28}
